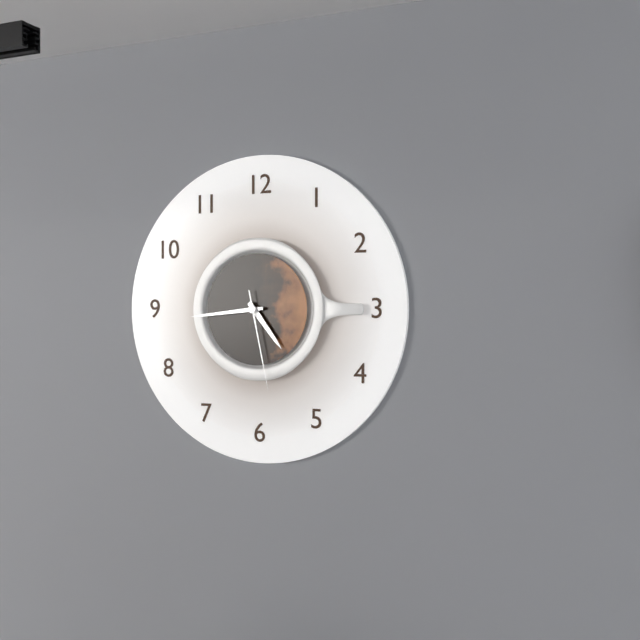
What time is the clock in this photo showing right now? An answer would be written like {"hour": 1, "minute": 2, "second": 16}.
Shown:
{"hour": 4, "minute": 44, "second": 28}
